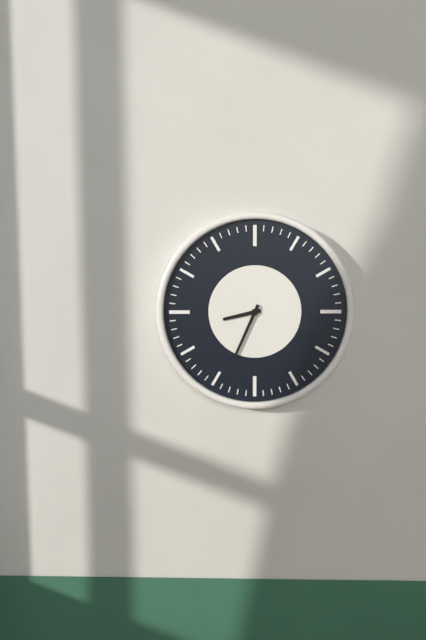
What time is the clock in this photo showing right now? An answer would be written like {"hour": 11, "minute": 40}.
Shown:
{"hour": 8, "minute": 34}
